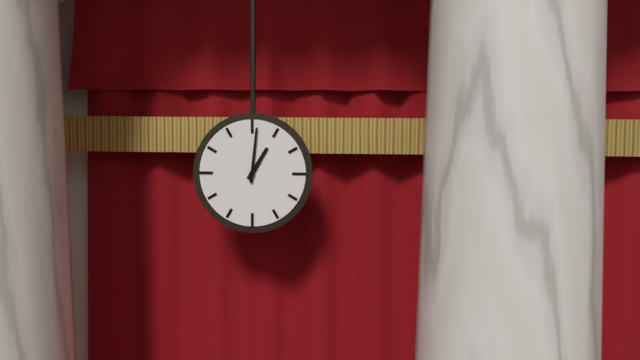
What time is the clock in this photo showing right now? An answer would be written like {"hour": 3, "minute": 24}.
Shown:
{"hour": 1, "minute": 1}
